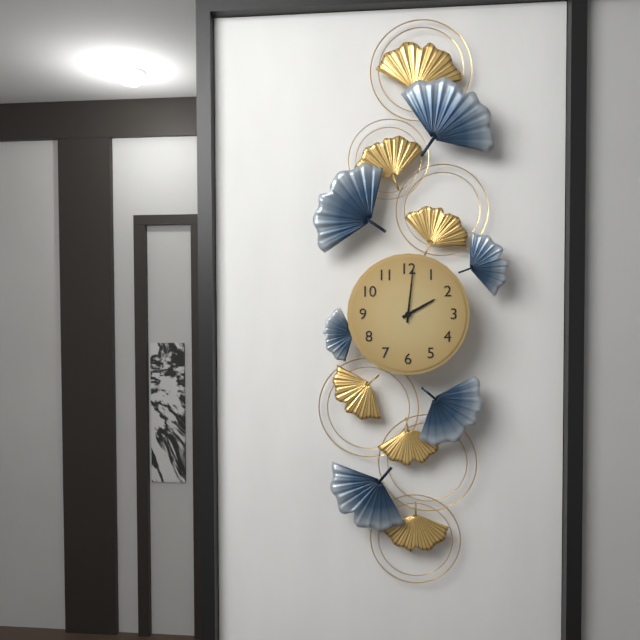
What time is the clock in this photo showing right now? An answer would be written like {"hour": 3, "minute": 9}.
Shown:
{"hour": 2, "minute": 1}
